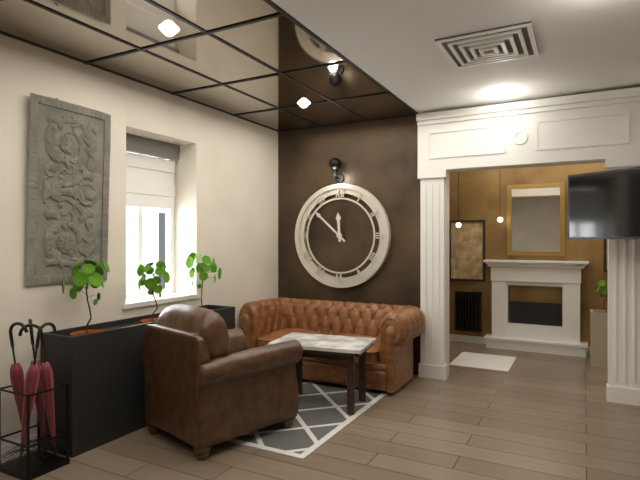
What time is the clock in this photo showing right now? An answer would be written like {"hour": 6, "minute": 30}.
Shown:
{"hour": 11, "minute": 52}
